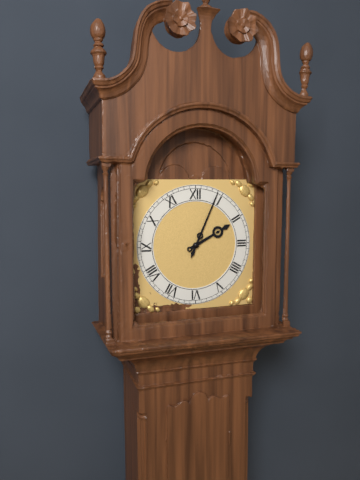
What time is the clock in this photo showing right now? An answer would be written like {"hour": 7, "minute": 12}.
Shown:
{"hour": 2, "minute": 4}
